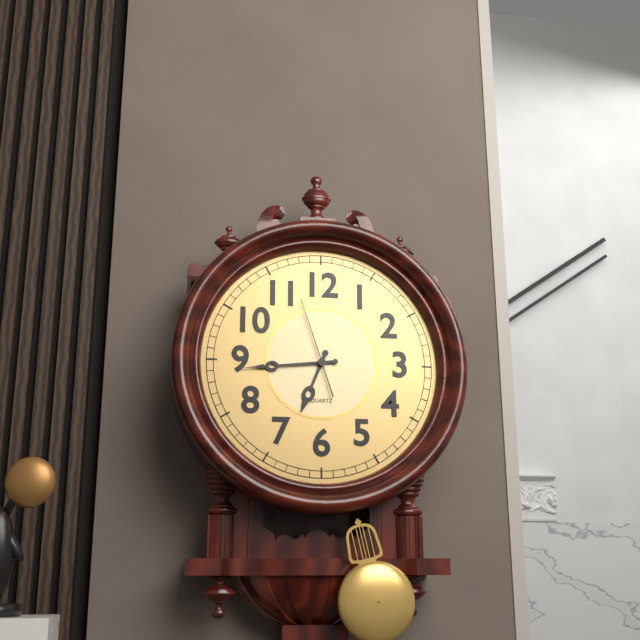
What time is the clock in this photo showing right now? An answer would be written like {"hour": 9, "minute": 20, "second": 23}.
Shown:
{"hour": 6, "minute": 44, "second": 57}
